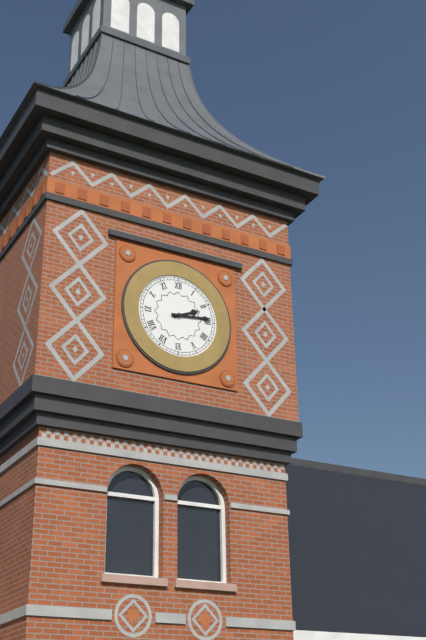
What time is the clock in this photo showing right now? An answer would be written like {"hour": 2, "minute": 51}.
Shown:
{"hour": 2, "minute": 14}
